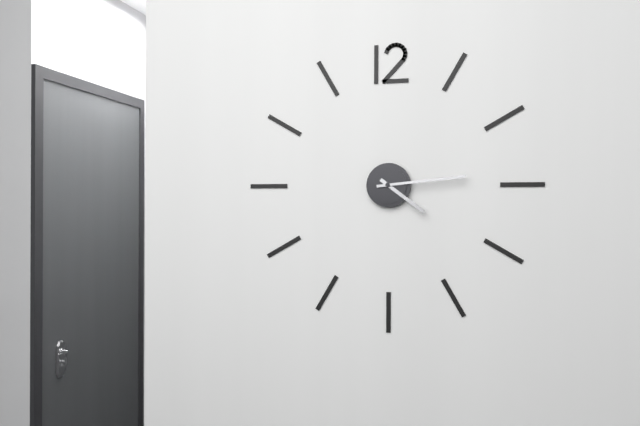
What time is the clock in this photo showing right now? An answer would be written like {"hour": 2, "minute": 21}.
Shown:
{"hour": 4, "minute": 14}
